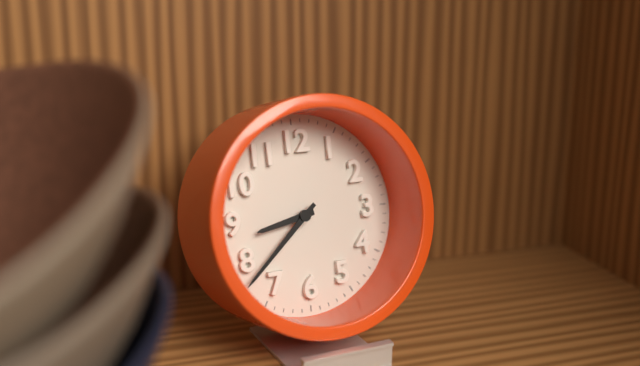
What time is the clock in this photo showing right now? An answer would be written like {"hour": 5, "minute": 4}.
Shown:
{"hour": 8, "minute": 38}
